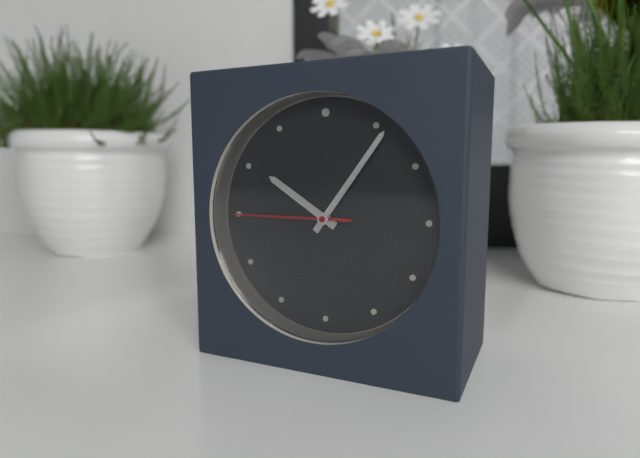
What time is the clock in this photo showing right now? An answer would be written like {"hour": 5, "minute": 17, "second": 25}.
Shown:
{"hour": 10, "minute": 6, "second": 45}
